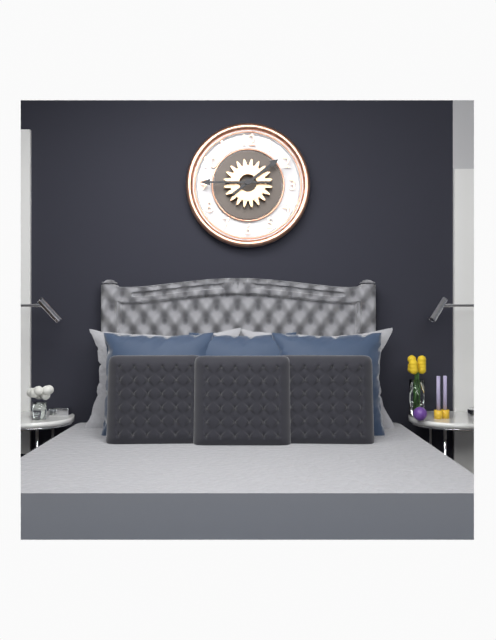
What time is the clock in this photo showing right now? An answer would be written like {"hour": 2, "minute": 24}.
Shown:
{"hour": 1, "minute": 45}
